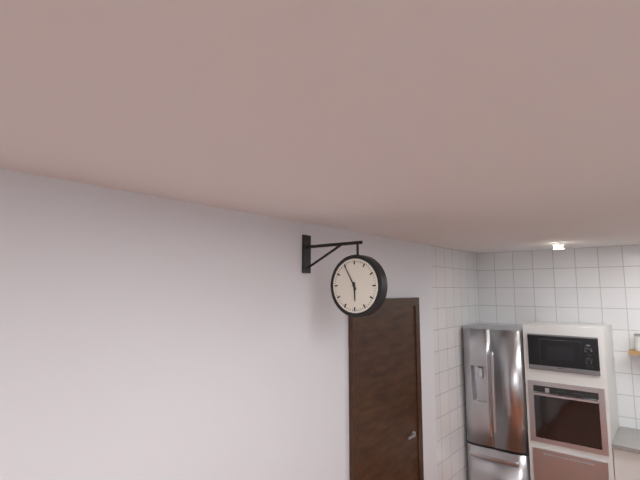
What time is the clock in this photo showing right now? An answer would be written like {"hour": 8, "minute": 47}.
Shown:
{"hour": 5, "minute": 55}
